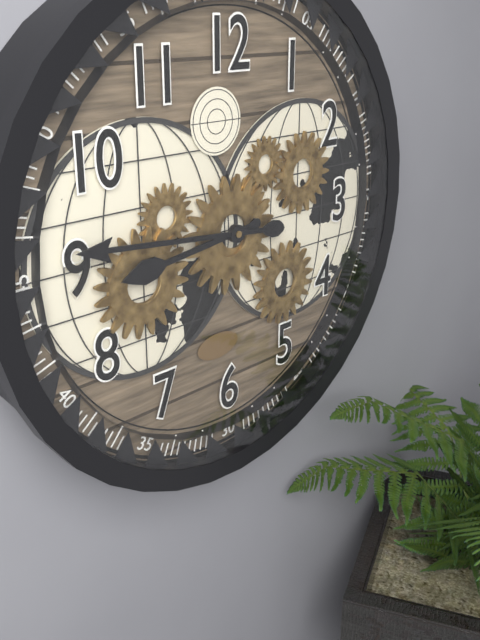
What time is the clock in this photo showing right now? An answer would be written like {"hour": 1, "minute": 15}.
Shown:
{"hour": 8, "minute": 46}
